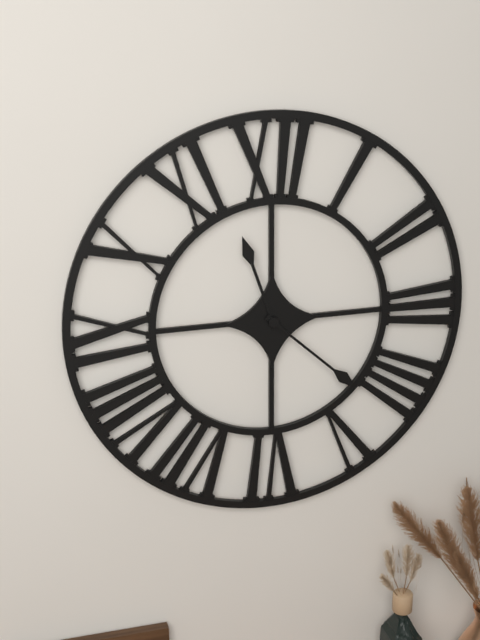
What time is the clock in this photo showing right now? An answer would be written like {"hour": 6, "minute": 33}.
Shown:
{"hour": 11, "minute": 22}
